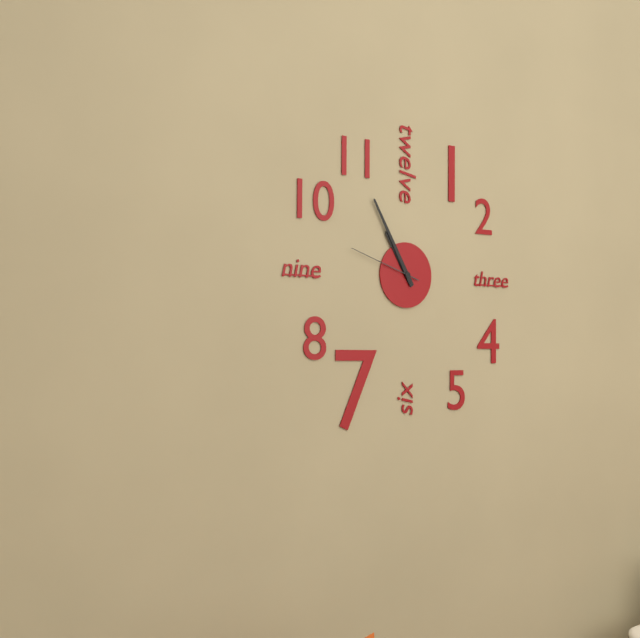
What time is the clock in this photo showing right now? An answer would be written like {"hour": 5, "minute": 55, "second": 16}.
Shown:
{"hour": 10, "minute": 55, "second": 48}
